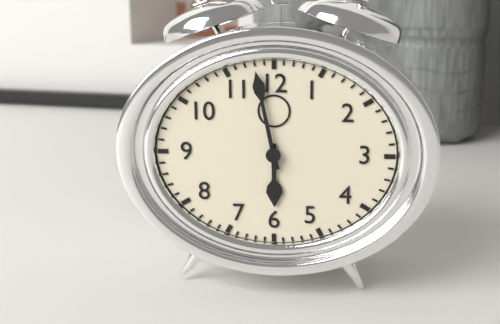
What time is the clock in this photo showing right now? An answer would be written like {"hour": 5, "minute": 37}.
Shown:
{"hour": 5, "minute": 58}
